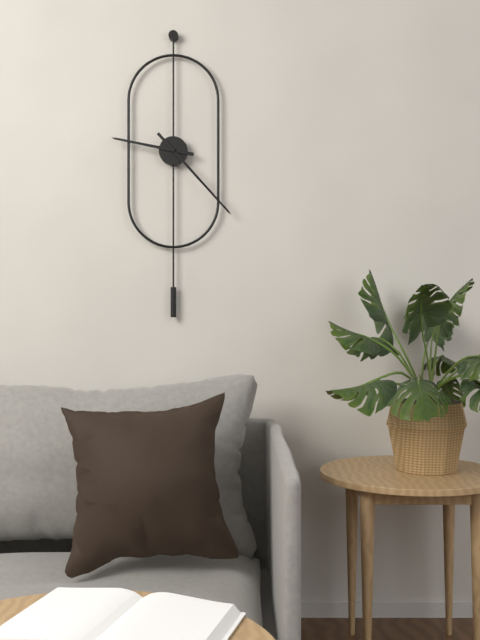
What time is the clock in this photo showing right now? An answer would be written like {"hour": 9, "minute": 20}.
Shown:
{"hour": 9, "minute": 23}
